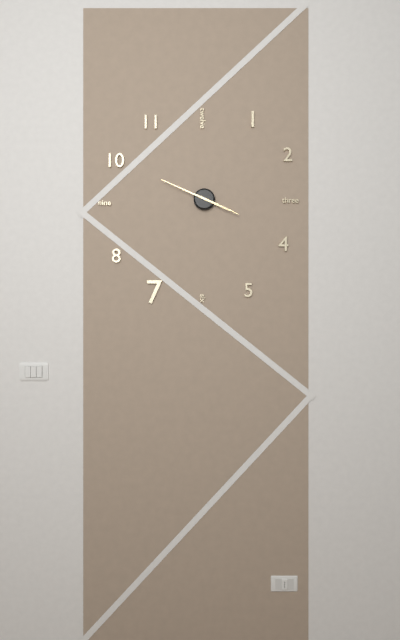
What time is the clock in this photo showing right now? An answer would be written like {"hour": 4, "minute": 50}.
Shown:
{"hour": 3, "minute": 49}
